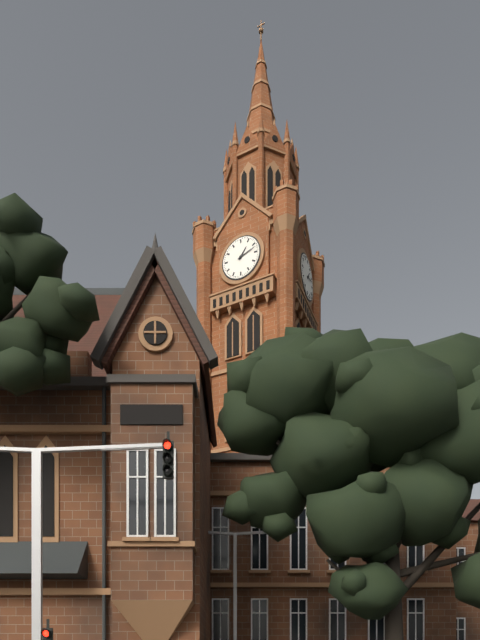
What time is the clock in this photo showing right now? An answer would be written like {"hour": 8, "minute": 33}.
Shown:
{"hour": 1, "minute": 12}
